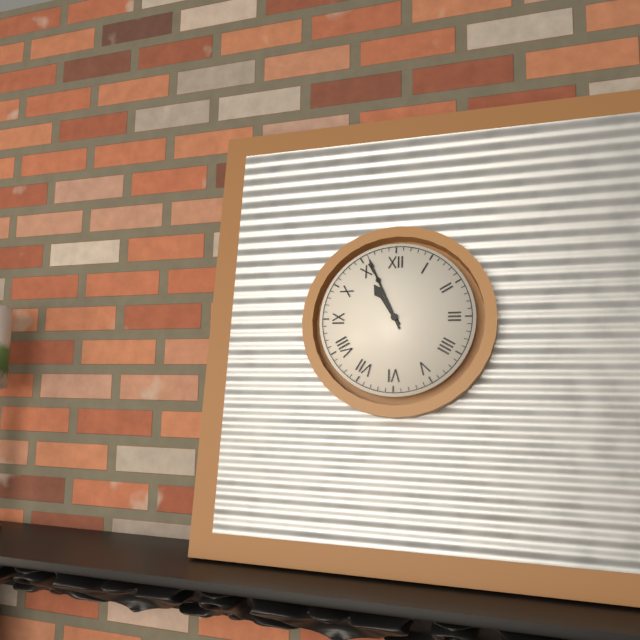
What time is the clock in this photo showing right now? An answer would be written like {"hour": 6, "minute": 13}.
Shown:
{"hour": 10, "minute": 56}
